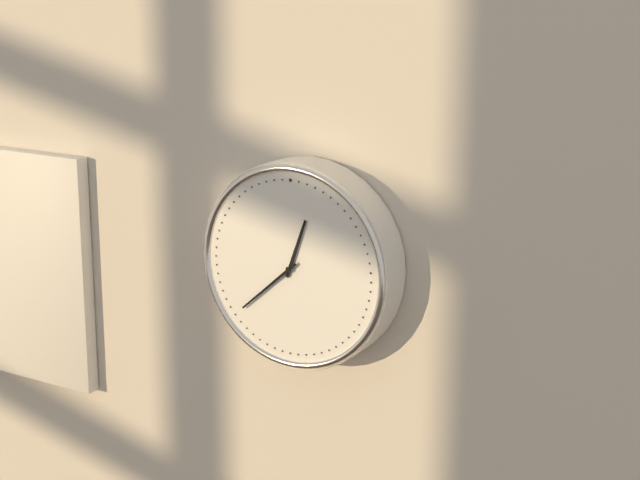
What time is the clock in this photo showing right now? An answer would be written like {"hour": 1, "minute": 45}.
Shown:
{"hour": 12, "minute": 38}
